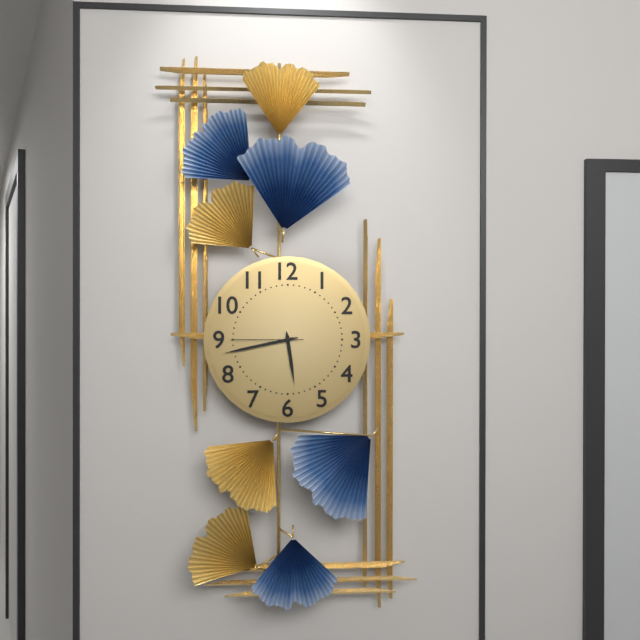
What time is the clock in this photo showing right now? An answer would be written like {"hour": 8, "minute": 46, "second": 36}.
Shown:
{"hour": 5, "minute": 43, "second": 45}
